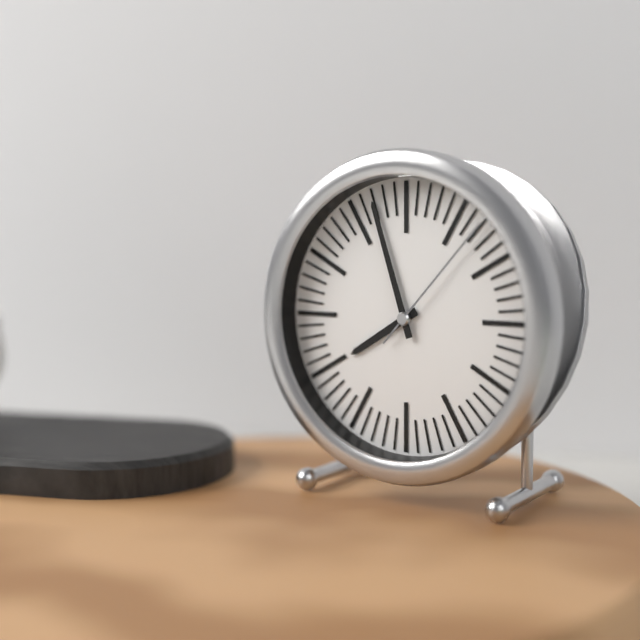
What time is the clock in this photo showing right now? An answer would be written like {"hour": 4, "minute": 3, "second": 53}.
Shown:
{"hour": 7, "minute": 57, "second": 7}
